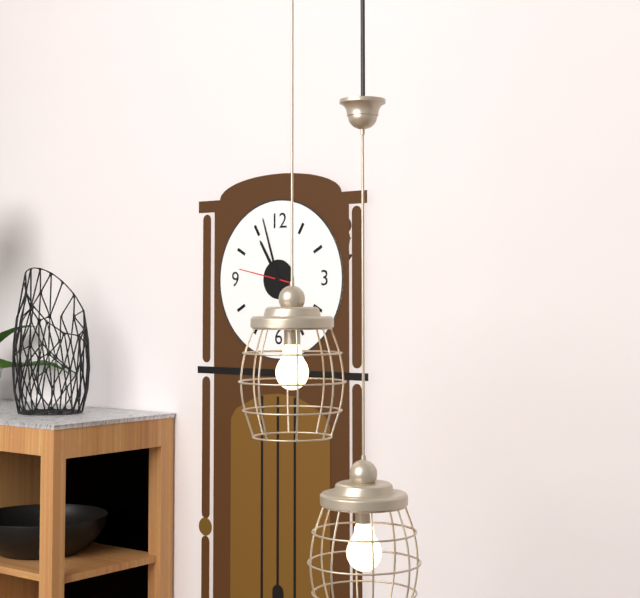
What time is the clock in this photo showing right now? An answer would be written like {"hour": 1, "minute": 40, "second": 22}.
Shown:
{"hour": 10, "minute": 57, "second": 47}
